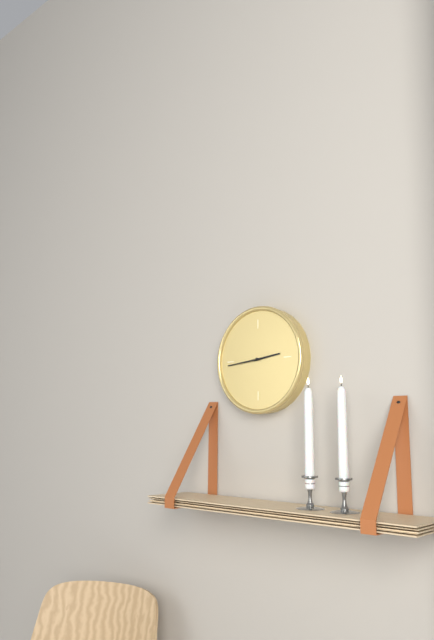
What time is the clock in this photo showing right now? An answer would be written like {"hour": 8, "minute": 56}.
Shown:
{"hour": 2, "minute": 44}
